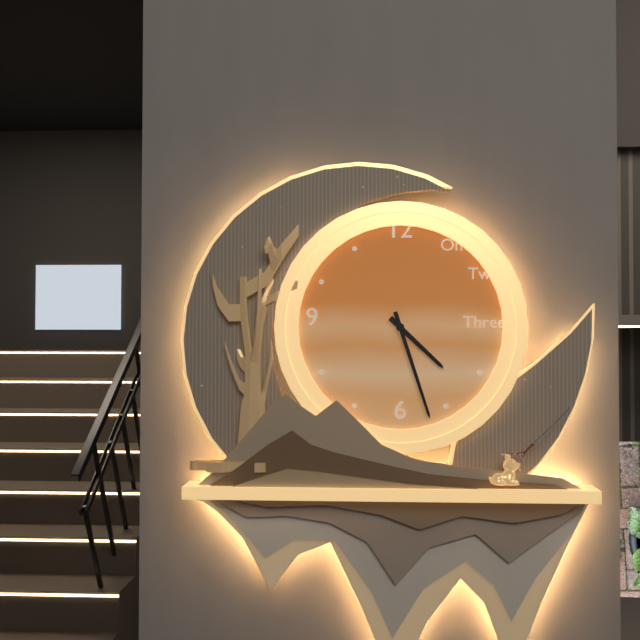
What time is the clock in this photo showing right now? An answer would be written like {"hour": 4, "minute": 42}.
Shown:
{"hour": 4, "minute": 27}
